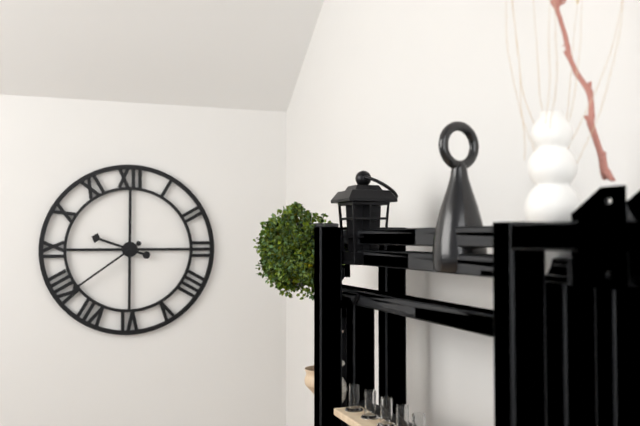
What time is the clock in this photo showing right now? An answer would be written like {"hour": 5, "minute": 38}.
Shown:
{"hour": 9, "minute": 39}
